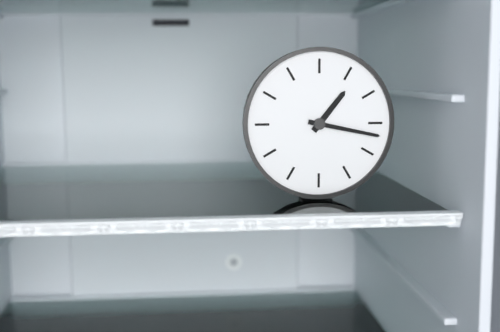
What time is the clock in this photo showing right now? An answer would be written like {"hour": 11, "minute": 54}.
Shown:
{"hour": 1, "minute": 17}
